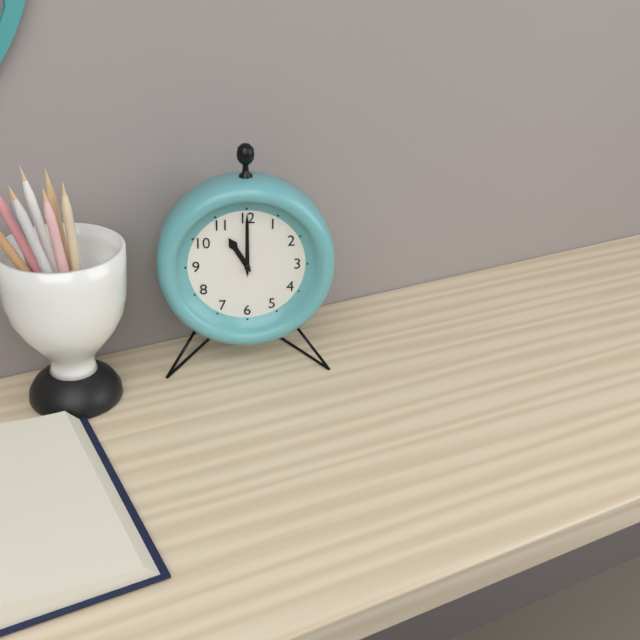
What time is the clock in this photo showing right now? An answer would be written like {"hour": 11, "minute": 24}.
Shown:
{"hour": 11, "minute": 0}
